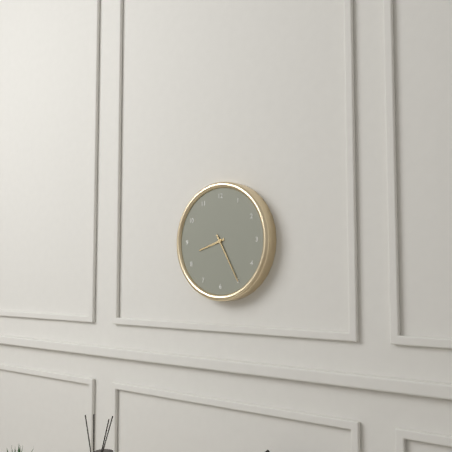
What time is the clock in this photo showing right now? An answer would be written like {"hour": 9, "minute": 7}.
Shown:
{"hour": 8, "minute": 25}
